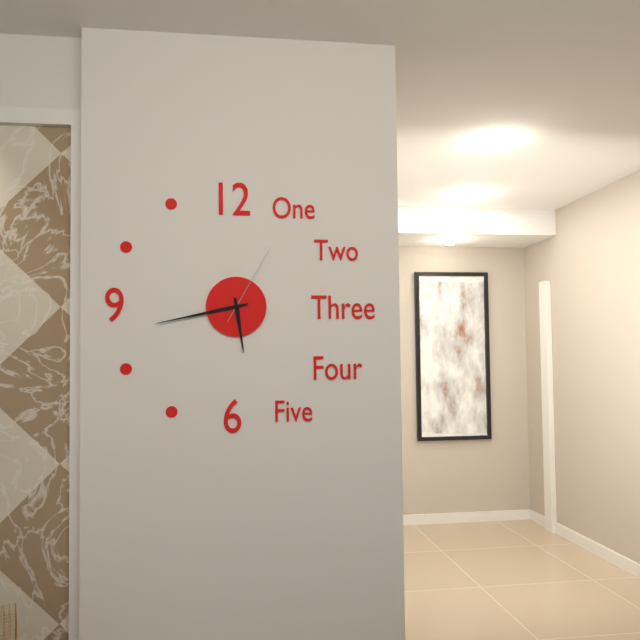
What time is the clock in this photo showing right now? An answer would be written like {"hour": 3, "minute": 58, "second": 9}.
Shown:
{"hour": 5, "minute": 43, "second": 5}
